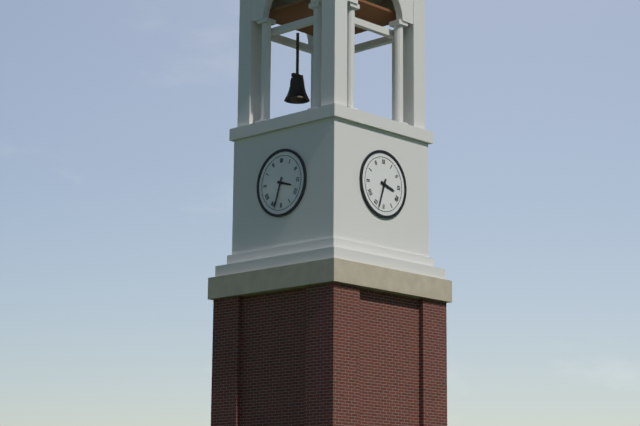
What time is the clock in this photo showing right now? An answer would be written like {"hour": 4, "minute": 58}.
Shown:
{"hour": 3, "minute": 33}
